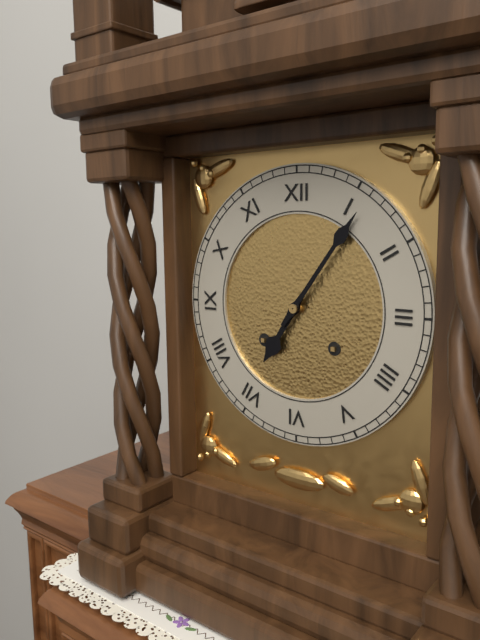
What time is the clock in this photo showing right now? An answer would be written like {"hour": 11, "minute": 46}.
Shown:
{"hour": 7, "minute": 6}
